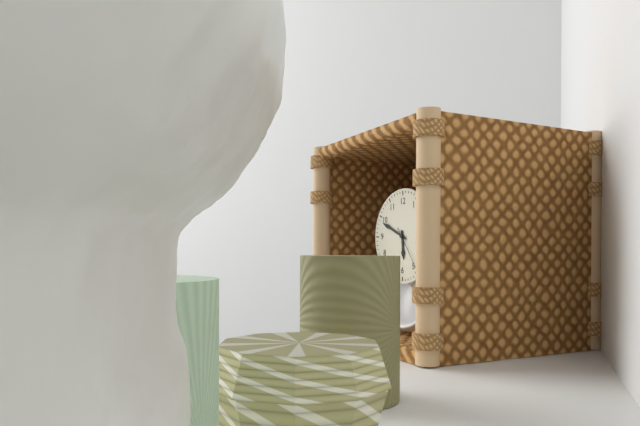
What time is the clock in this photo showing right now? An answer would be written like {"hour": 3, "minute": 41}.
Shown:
{"hour": 5, "minute": 49}
